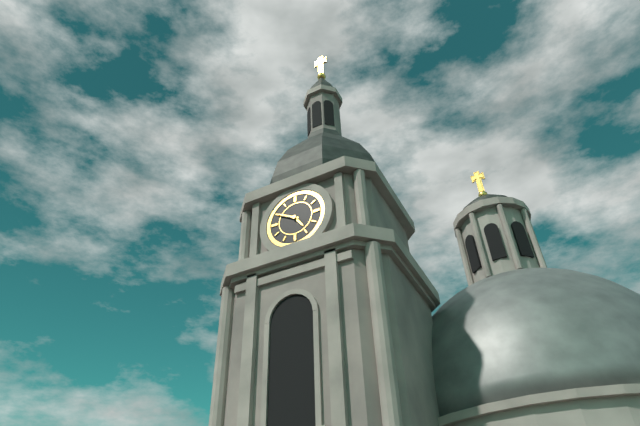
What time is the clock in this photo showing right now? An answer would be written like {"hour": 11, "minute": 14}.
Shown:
{"hour": 4, "minute": 50}
